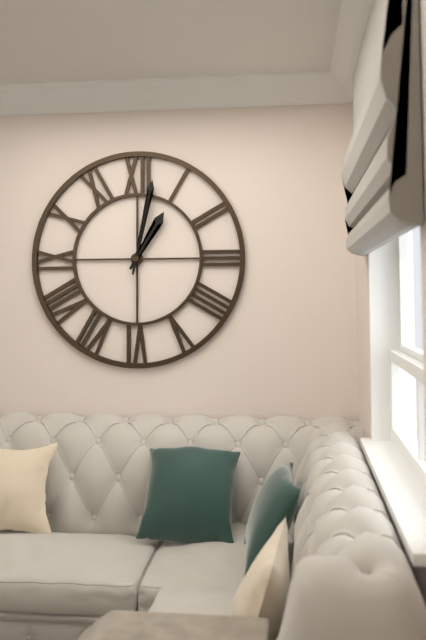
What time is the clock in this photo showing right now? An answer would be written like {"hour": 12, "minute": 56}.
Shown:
{"hour": 1, "minute": 2}
